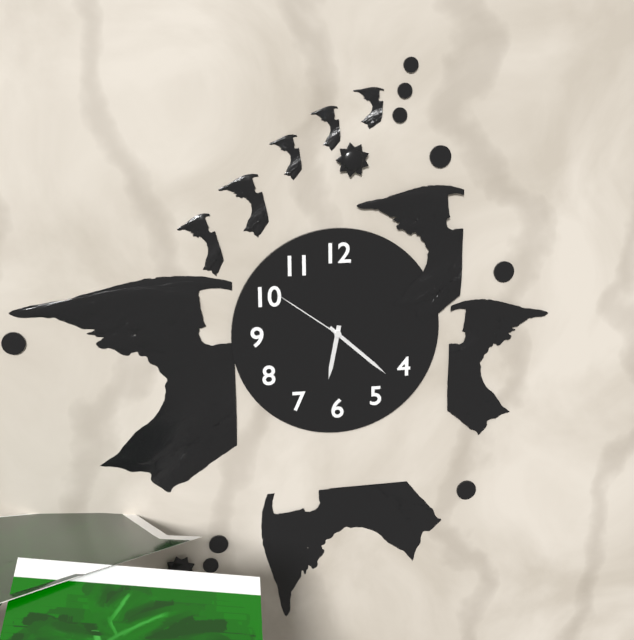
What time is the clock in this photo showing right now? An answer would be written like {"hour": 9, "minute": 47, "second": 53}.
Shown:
{"hour": 6, "minute": 22, "second": 51}
